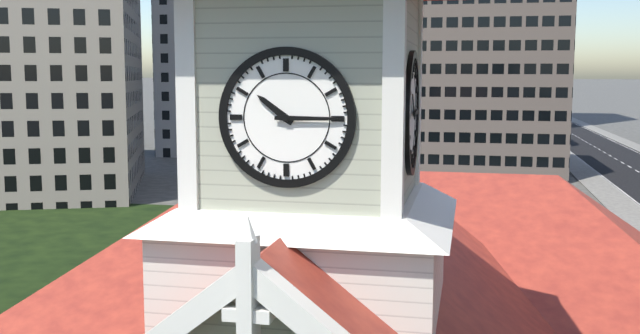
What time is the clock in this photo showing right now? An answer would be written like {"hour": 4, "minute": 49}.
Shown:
{"hour": 10, "minute": 15}
